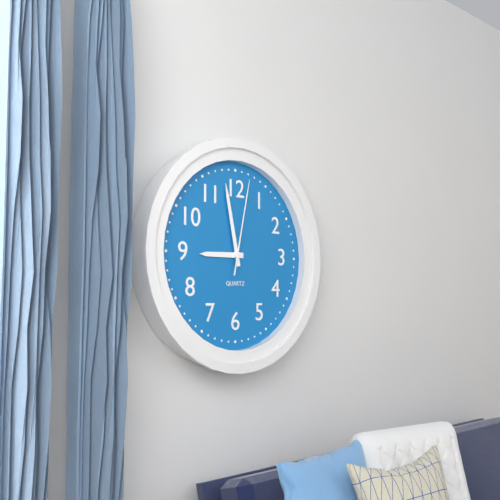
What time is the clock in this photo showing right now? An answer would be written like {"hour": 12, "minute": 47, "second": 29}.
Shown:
{"hour": 8, "minute": 58, "second": 2}
